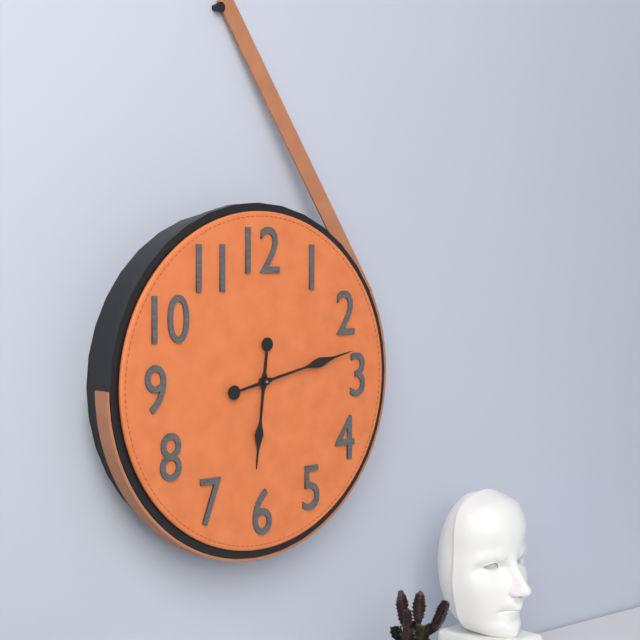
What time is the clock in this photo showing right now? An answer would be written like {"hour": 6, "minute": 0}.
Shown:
{"hour": 6, "minute": 13}
